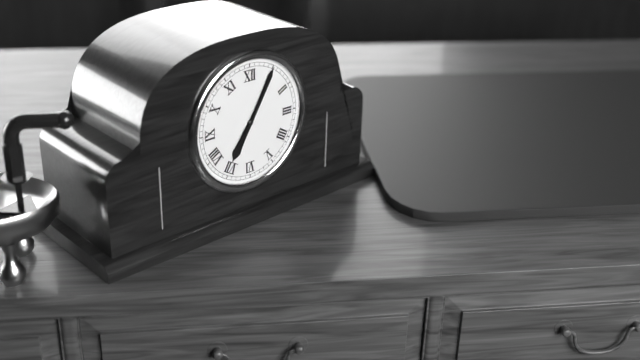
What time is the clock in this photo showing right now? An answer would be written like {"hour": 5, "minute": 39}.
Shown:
{"hour": 7, "minute": 5}
